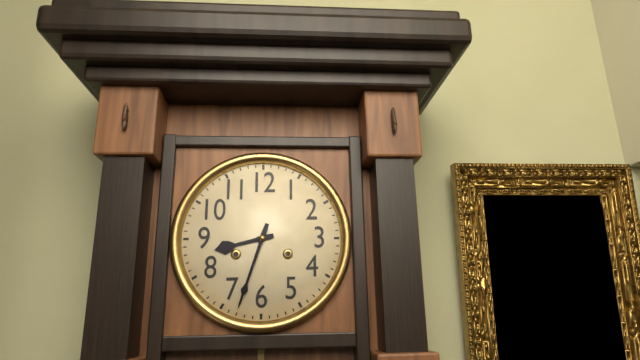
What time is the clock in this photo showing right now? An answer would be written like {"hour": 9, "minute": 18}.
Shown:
{"hour": 8, "minute": 33}
